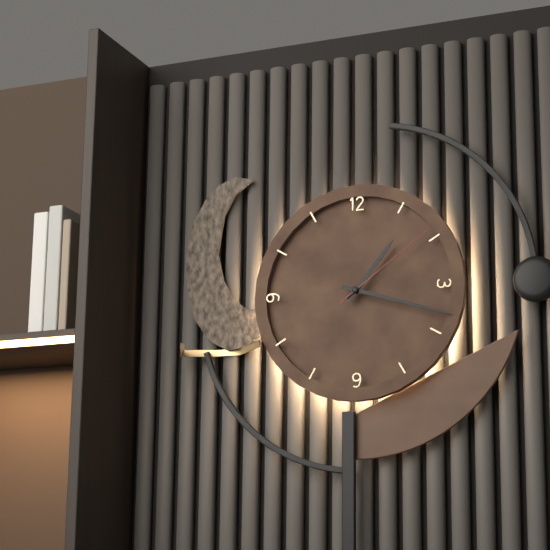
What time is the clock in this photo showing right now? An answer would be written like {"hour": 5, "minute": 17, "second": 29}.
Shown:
{"hour": 1, "minute": 18, "second": 9}
